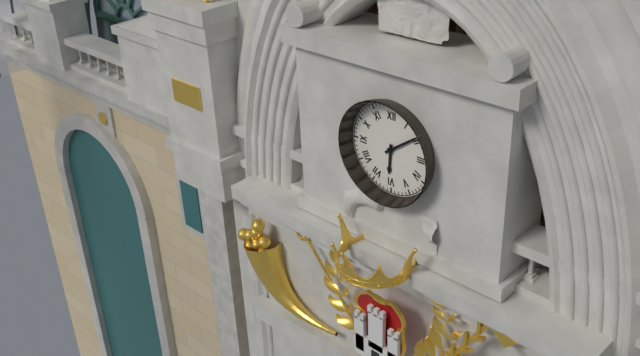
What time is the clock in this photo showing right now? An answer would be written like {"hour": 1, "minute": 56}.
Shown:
{"hour": 6, "minute": 9}
